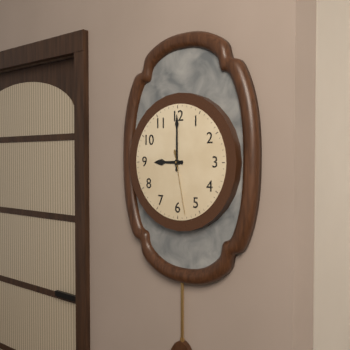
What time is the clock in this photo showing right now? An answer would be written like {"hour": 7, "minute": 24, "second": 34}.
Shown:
{"hour": 9, "minute": 0, "second": 28}
